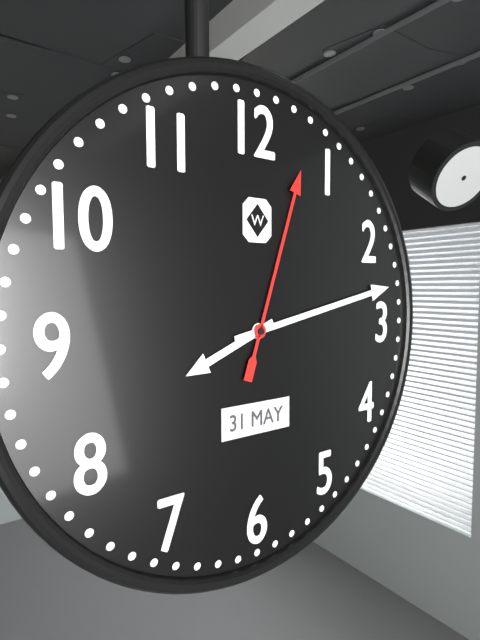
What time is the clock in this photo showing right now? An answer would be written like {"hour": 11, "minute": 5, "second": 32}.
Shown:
{"hour": 8, "minute": 13, "second": 3}
